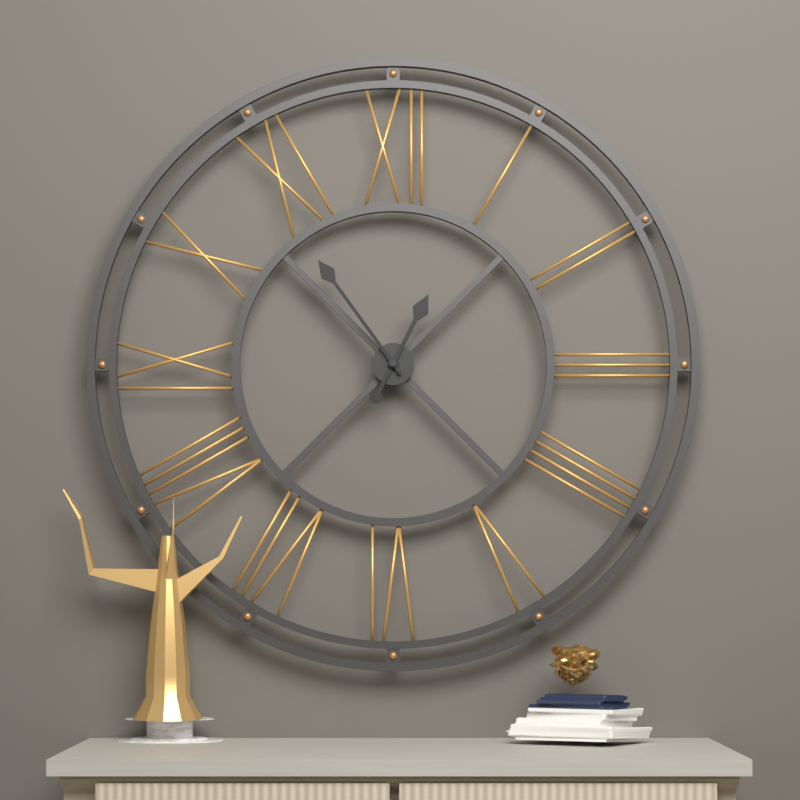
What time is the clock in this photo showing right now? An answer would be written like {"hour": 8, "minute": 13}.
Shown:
{"hour": 12, "minute": 54}
